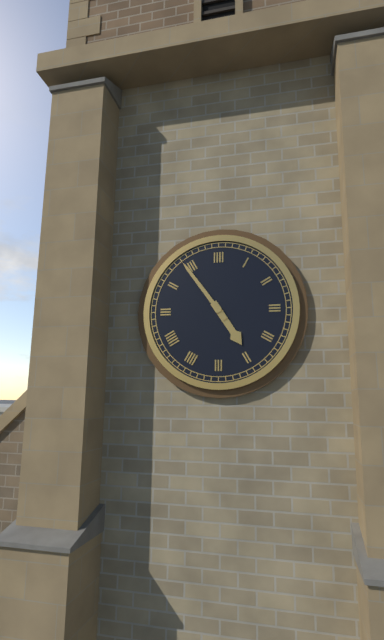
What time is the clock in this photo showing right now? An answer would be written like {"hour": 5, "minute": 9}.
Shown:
{"hour": 4, "minute": 54}
